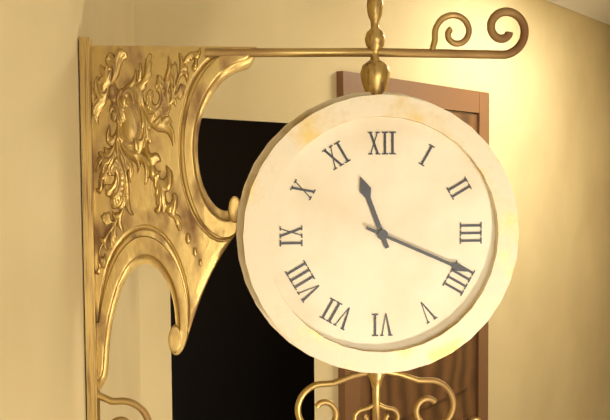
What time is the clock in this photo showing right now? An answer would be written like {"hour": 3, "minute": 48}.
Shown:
{"hour": 11, "minute": 19}
